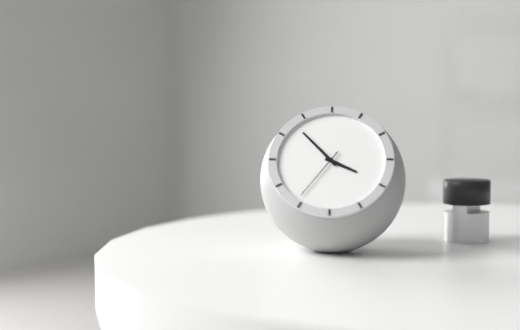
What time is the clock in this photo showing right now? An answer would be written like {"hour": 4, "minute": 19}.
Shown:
{"hour": 3, "minute": 53}
